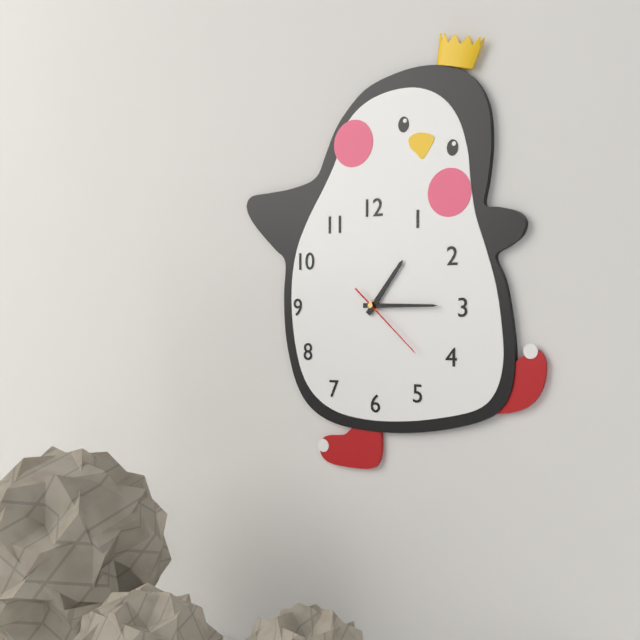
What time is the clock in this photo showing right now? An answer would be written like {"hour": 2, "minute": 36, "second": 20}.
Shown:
{"hour": 1, "minute": 15, "second": 22}
